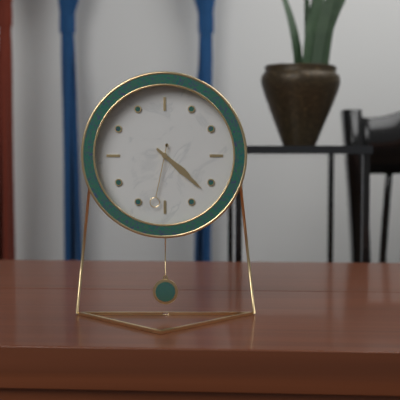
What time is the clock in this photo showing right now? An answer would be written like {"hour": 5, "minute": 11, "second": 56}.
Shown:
{"hour": 4, "minute": 22, "second": 32}
